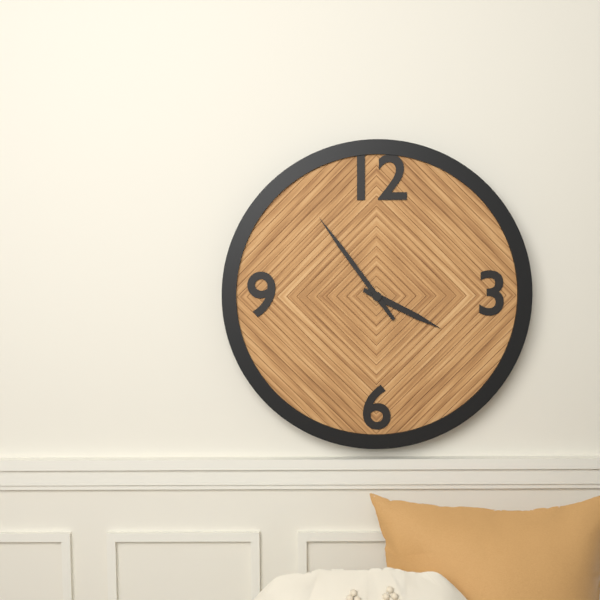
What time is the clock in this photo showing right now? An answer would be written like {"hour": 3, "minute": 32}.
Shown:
{"hour": 3, "minute": 54}
